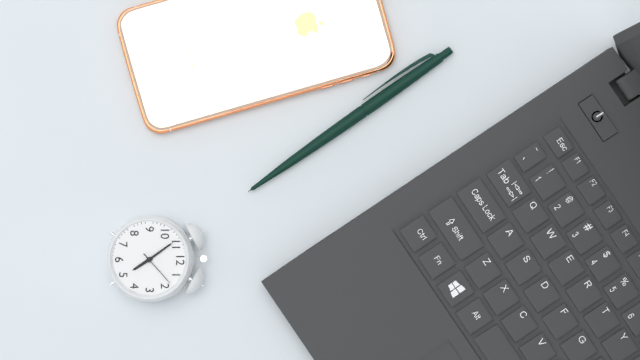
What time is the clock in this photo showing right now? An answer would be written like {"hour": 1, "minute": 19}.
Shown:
{"hour": 4, "minute": 54}
